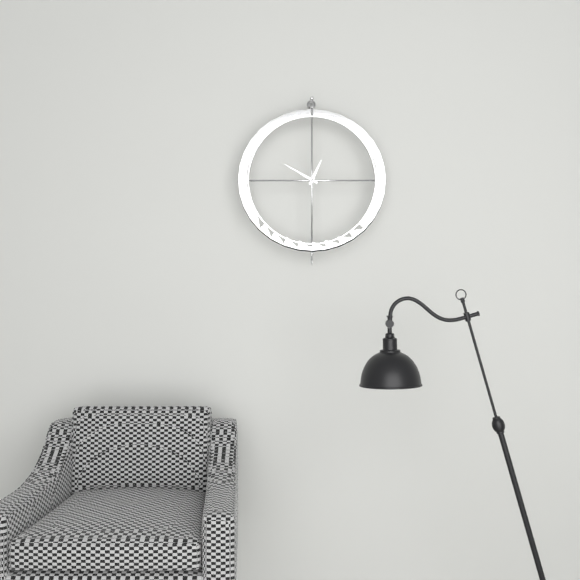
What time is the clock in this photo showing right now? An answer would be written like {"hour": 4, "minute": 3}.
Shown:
{"hour": 12, "minute": 50}
